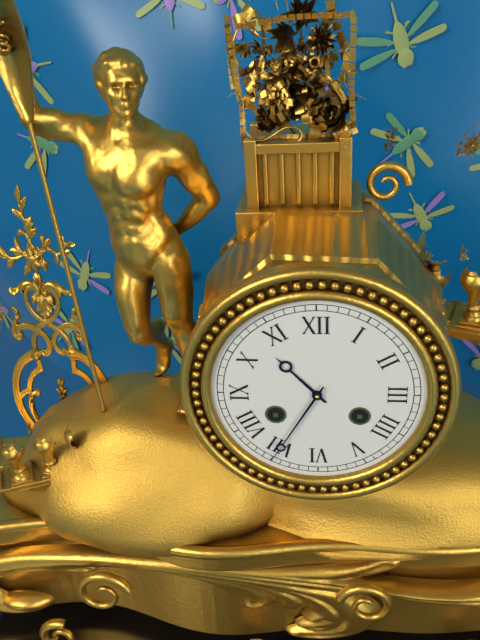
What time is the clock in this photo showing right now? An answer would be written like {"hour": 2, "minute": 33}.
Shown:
{"hour": 10, "minute": 35}
